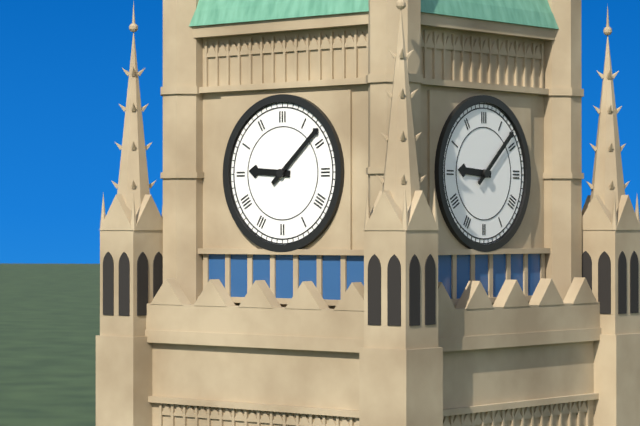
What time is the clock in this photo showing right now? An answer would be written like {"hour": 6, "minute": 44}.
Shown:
{"hour": 9, "minute": 8}
